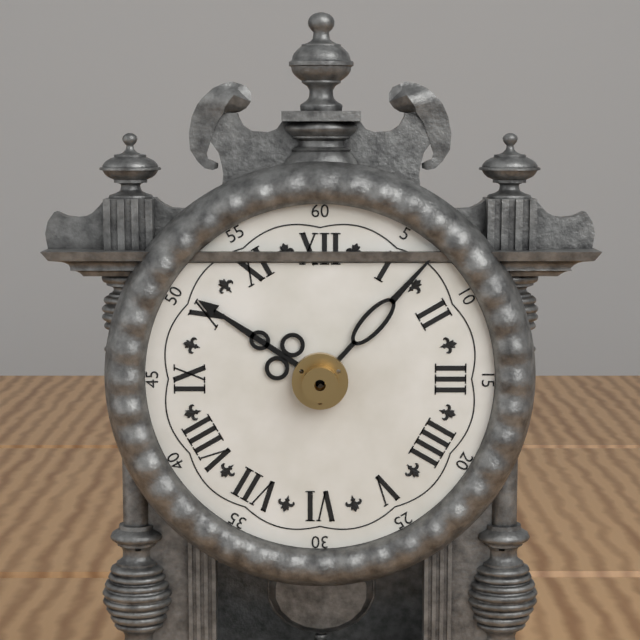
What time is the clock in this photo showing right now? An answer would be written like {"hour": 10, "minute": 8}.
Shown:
{"hour": 10, "minute": 7}
